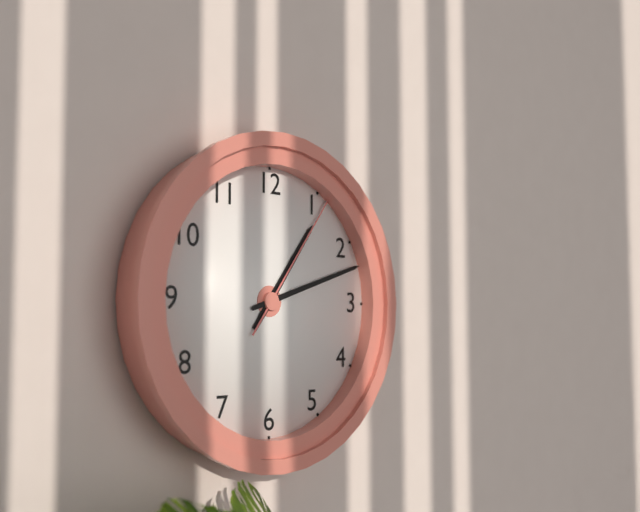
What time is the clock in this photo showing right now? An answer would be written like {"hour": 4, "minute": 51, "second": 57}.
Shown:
{"hour": 1, "minute": 12, "second": 6}
